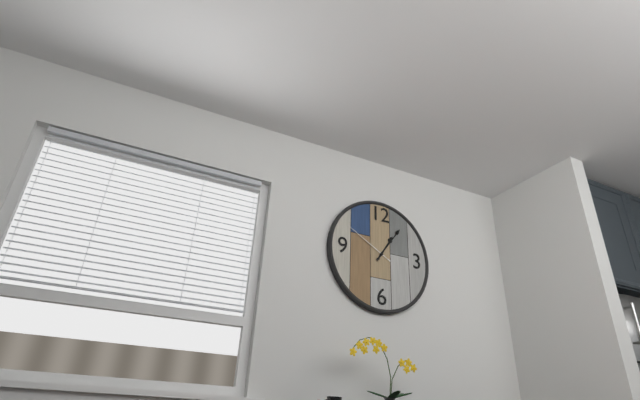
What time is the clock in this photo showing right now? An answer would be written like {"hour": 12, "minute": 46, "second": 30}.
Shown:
{"hour": 1, "minute": 6, "second": 50}
